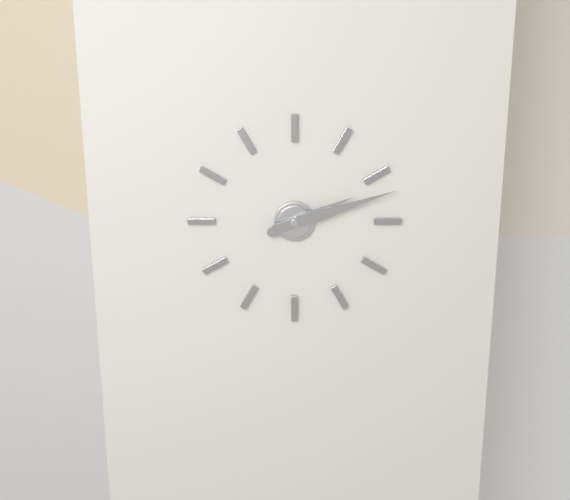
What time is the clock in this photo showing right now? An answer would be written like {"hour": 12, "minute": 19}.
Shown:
{"hour": 2, "minute": 12}
